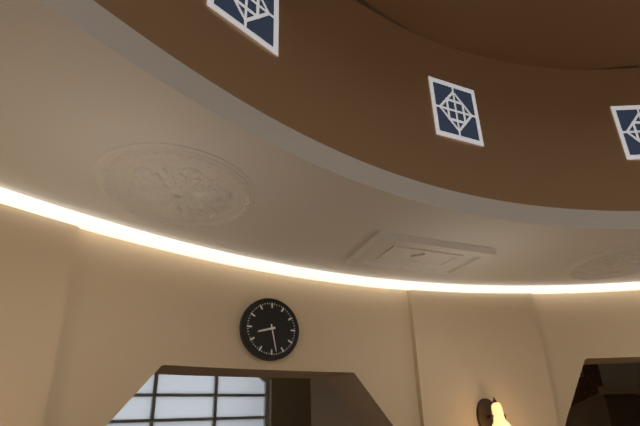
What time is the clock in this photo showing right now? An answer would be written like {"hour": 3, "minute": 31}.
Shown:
{"hour": 8, "minute": 28}
